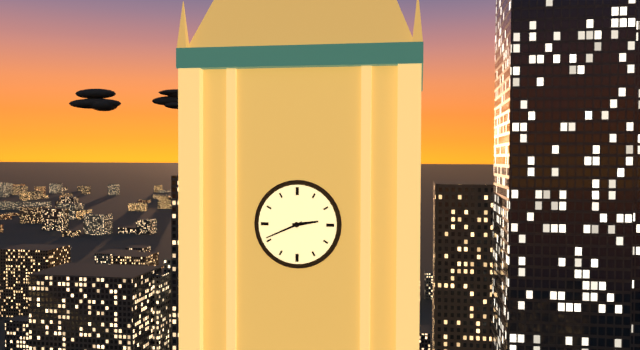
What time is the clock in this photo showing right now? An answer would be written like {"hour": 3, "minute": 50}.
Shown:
{"hour": 2, "minute": 41}
